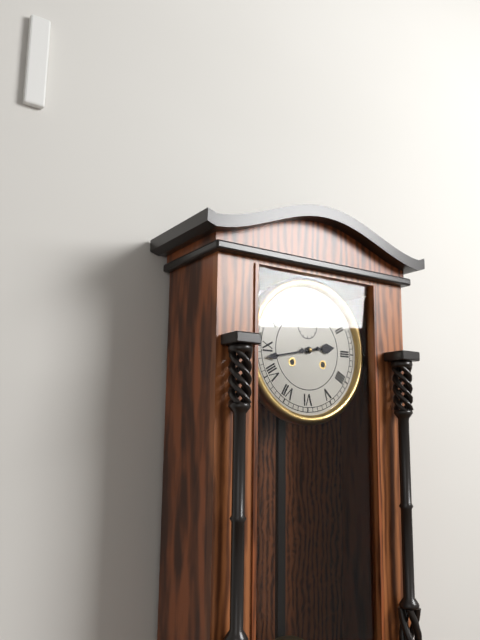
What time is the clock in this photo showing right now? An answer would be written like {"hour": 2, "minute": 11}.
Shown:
{"hour": 2, "minute": 43}
